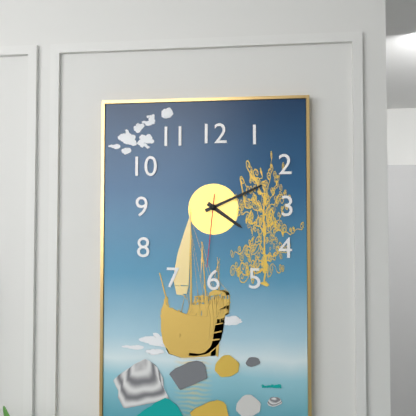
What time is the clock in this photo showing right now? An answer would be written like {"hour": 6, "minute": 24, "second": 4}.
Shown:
{"hour": 4, "minute": 11, "second": 31}
